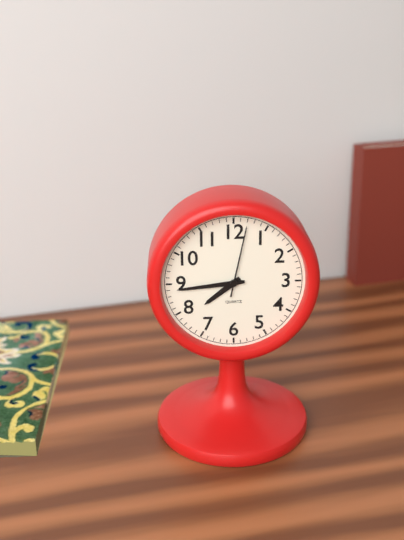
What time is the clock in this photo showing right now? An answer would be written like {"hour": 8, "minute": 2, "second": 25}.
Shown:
{"hour": 7, "minute": 44, "second": 2}
